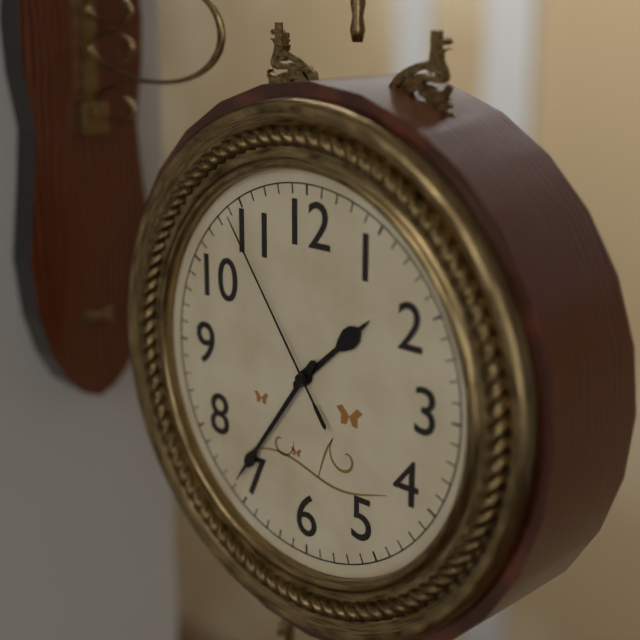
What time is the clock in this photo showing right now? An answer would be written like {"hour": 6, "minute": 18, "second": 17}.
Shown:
{"hour": 1, "minute": 36, "second": 54}
